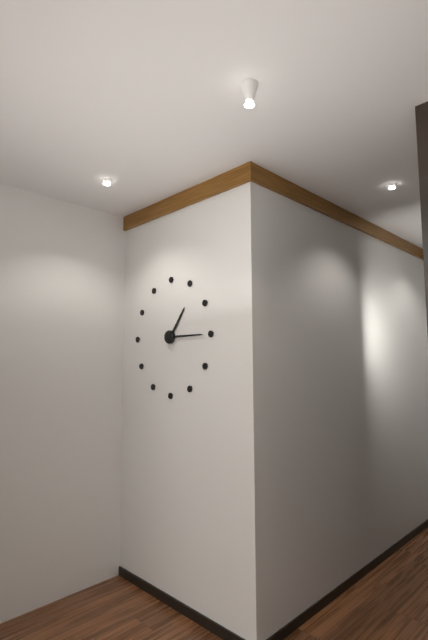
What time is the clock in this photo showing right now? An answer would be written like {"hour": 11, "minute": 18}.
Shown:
{"hour": 1, "minute": 15}
